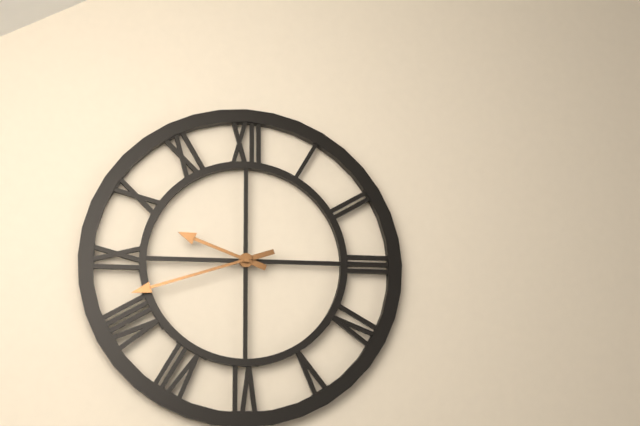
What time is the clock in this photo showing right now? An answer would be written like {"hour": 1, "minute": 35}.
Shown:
{"hour": 9, "minute": 42}
